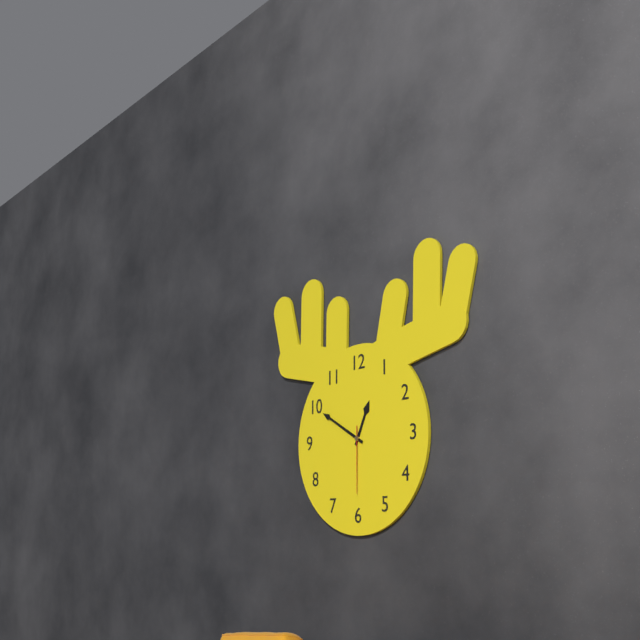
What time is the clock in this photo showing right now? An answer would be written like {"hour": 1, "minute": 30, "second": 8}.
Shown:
{"hour": 12, "minute": 50, "second": 30}
